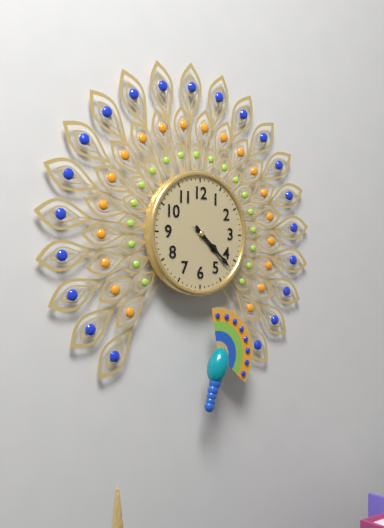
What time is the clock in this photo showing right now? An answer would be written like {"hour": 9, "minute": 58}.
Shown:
{"hour": 4, "minute": 22}
